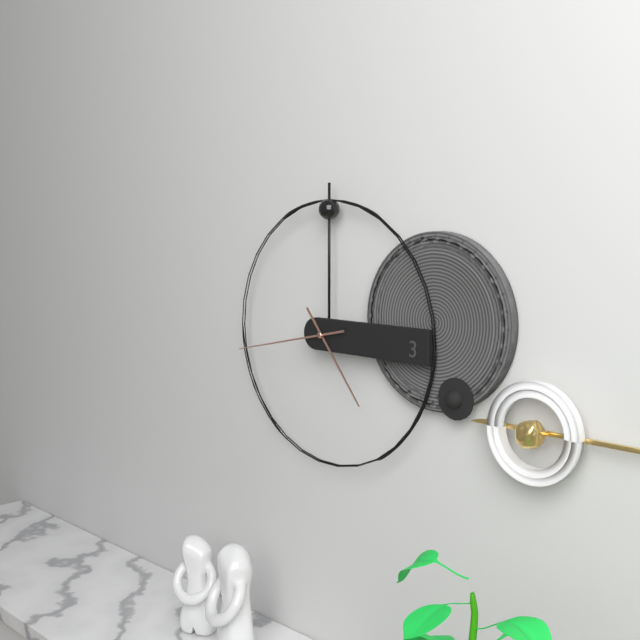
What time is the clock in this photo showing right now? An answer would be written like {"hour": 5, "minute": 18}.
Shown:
{"hour": 4, "minute": 43}
